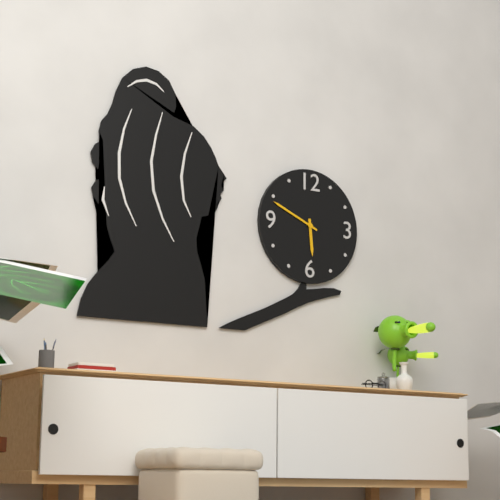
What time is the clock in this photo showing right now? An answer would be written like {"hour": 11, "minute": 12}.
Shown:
{"hour": 5, "minute": 49}
